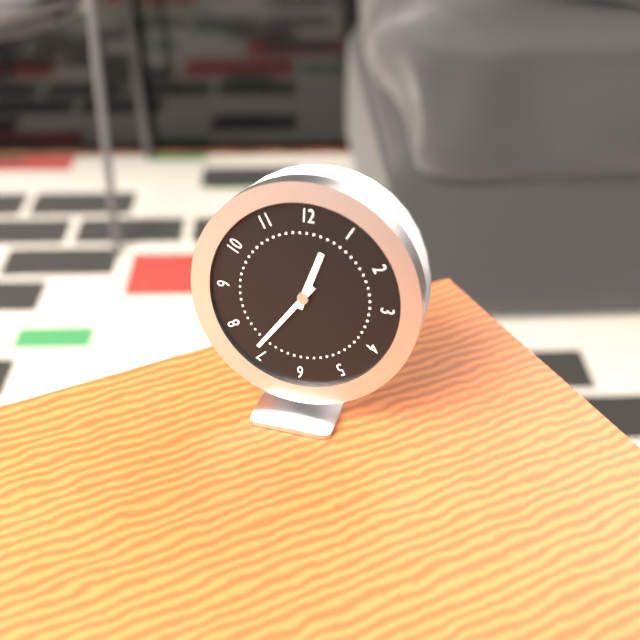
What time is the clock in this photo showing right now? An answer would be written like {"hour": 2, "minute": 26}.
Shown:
{"hour": 12, "minute": 36}
